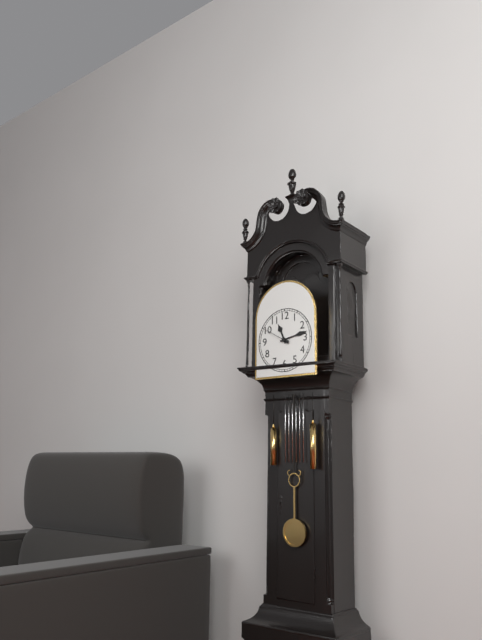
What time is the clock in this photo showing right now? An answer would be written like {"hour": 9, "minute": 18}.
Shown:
{"hour": 11, "minute": 13}
